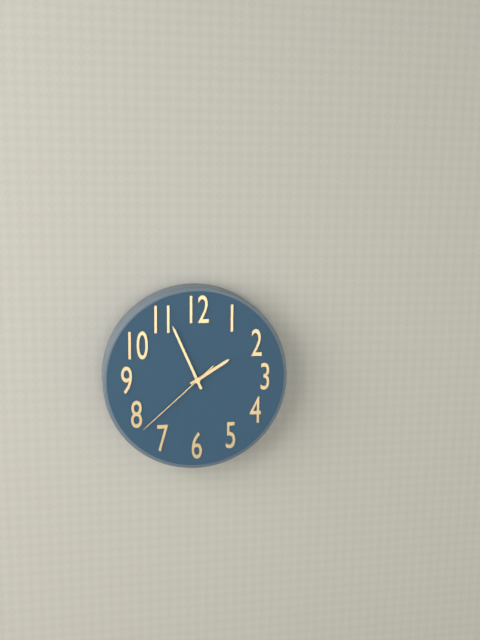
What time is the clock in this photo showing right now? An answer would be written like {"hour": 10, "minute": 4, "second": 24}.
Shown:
{"hour": 1, "minute": 56, "second": 38}
